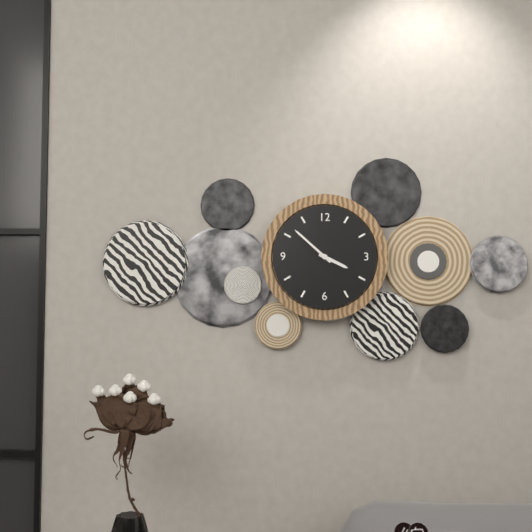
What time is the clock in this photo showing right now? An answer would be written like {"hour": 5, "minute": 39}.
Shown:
{"hour": 3, "minute": 52}
